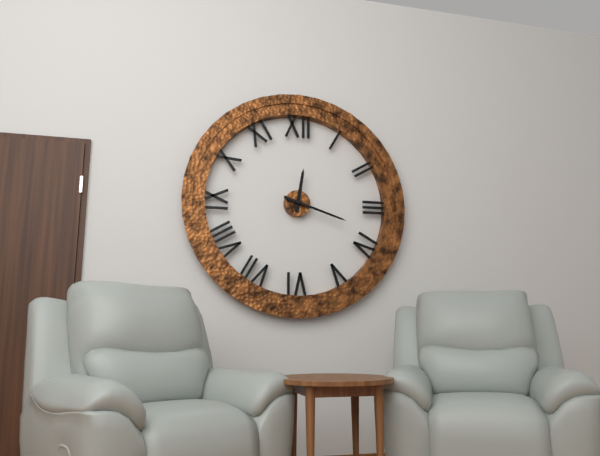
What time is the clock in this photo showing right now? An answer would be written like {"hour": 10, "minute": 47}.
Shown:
{"hour": 12, "minute": 18}
